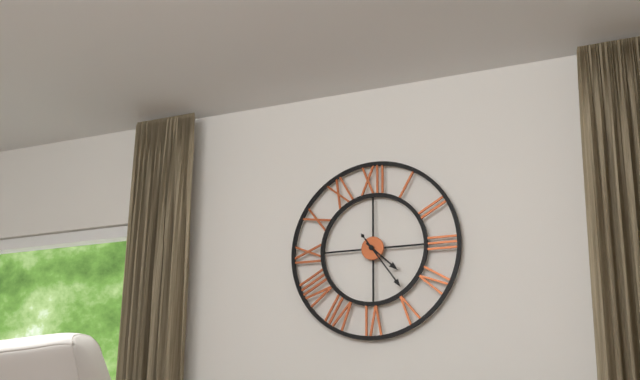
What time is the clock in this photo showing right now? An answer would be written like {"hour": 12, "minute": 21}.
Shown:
{"hour": 4, "minute": 24}
